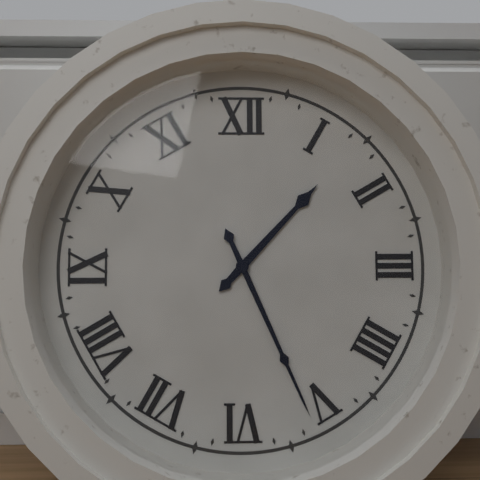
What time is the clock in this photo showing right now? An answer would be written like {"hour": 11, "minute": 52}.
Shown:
{"hour": 1, "minute": 26}
